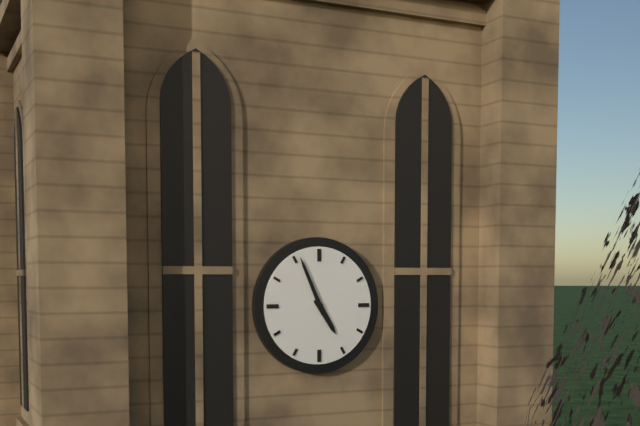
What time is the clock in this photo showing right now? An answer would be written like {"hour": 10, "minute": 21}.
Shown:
{"hour": 4, "minute": 56}
